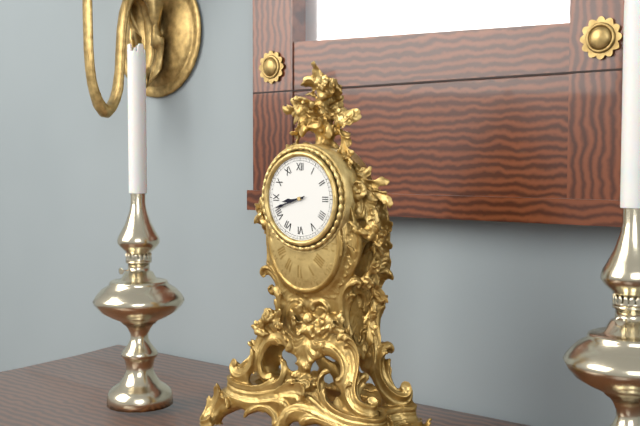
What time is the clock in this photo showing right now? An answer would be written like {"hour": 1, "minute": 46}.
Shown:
{"hour": 8, "minute": 42}
